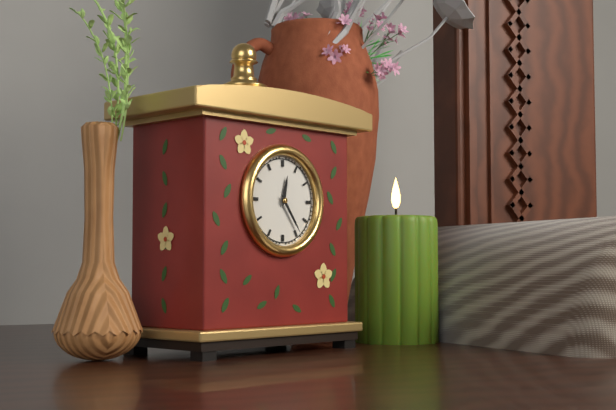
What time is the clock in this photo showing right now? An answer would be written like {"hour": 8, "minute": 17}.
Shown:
{"hour": 12, "minute": 24}
